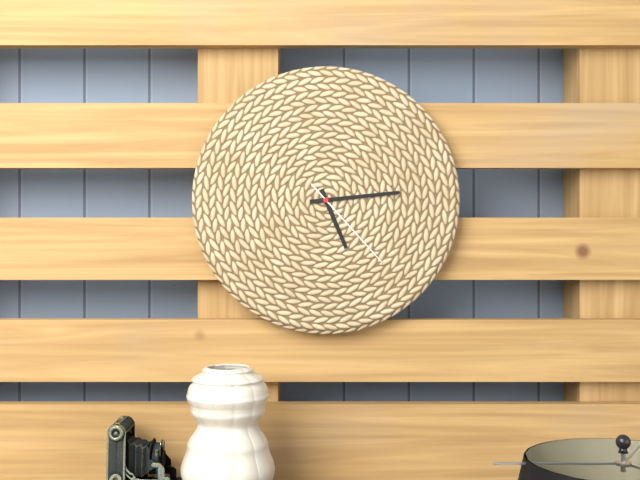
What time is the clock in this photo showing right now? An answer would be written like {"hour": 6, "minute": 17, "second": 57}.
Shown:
{"hour": 5, "minute": 14, "second": 23}
